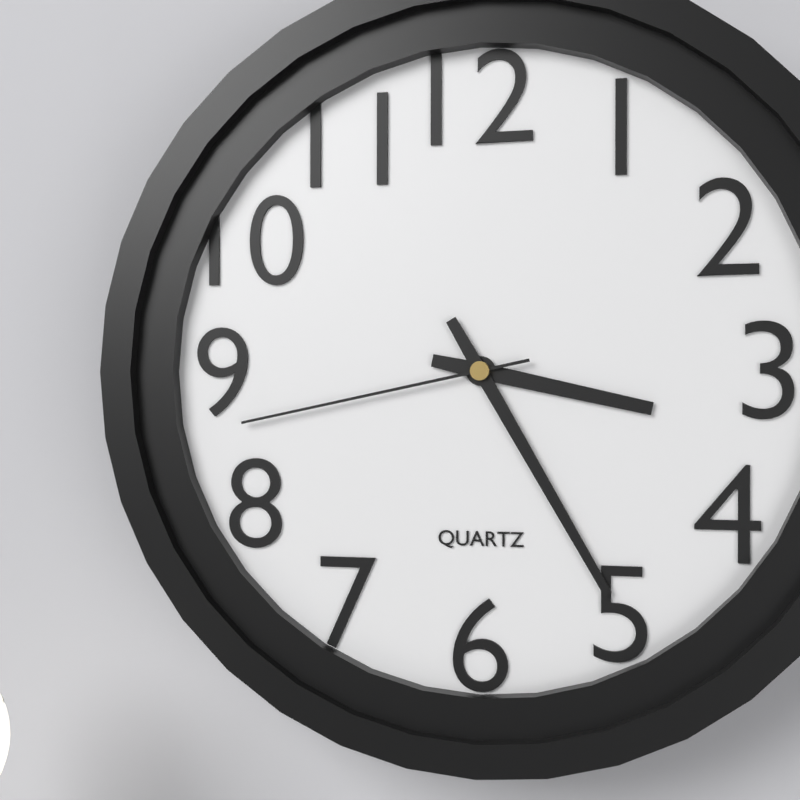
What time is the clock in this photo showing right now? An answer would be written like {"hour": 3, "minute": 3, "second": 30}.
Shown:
{"hour": 3, "minute": 25, "second": 43}
